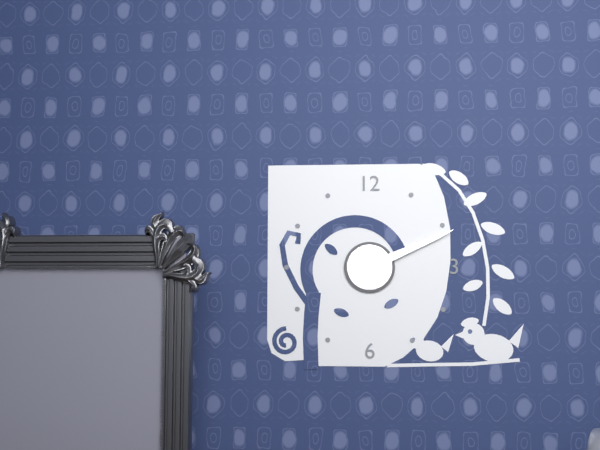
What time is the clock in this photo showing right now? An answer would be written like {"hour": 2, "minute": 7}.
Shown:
{"hour": 2, "minute": 11}
